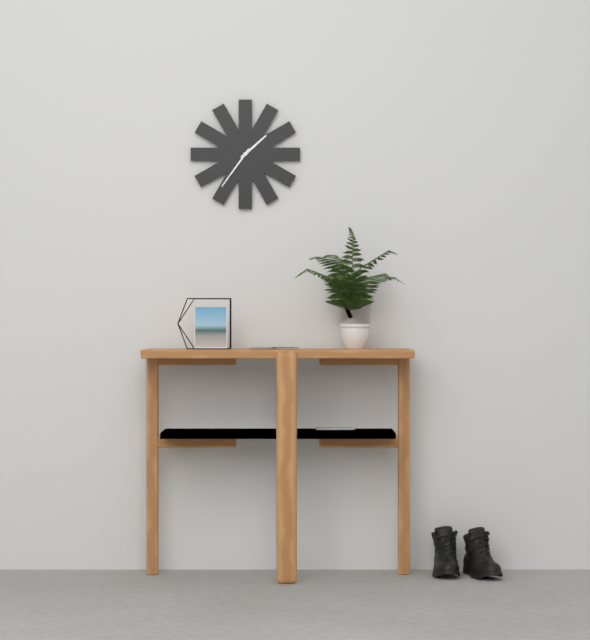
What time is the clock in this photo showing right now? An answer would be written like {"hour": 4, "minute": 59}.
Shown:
{"hour": 1, "minute": 36}
